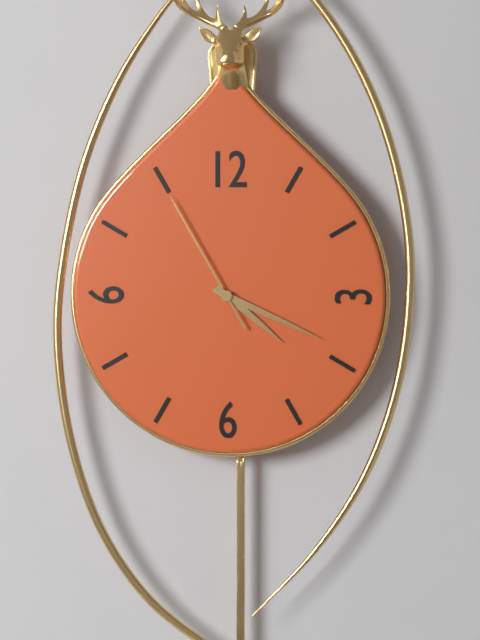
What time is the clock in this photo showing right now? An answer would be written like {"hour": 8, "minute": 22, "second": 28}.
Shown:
{"hour": 4, "minute": 19, "second": 55}
